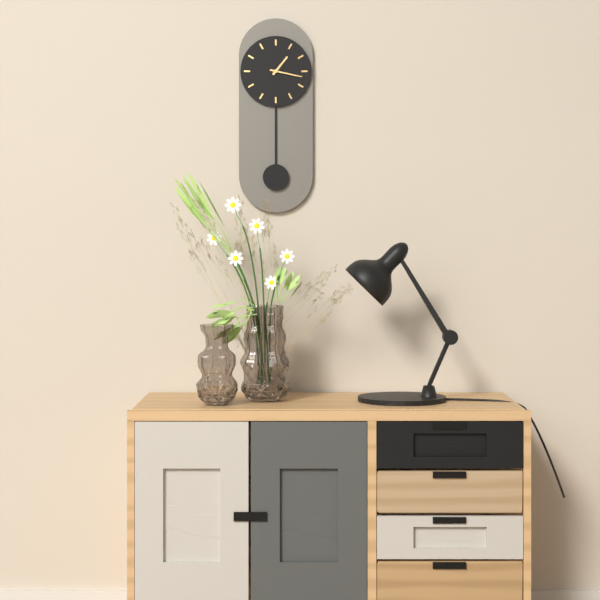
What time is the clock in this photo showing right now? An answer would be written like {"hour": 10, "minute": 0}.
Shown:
{"hour": 1, "minute": 17}
